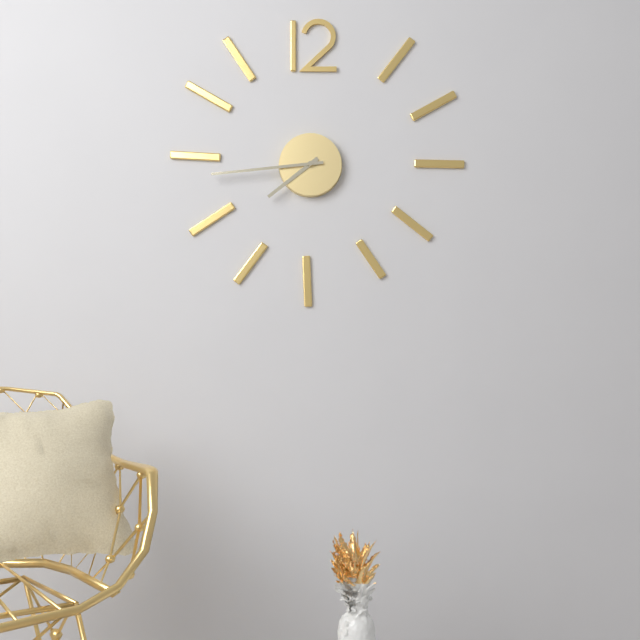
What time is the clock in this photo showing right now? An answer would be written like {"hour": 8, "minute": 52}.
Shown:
{"hour": 7, "minute": 44}
